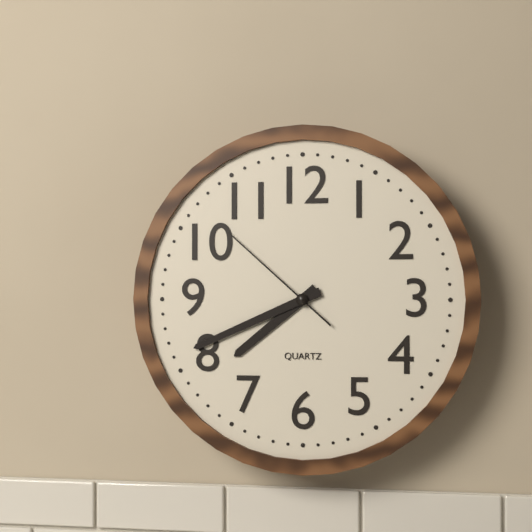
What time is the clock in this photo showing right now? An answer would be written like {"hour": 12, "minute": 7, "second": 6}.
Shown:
{"hour": 7, "minute": 41, "second": 52}
